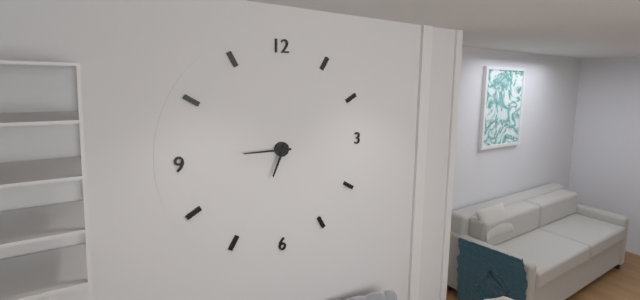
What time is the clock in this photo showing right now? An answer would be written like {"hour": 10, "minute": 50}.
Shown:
{"hour": 6, "minute": 45}
